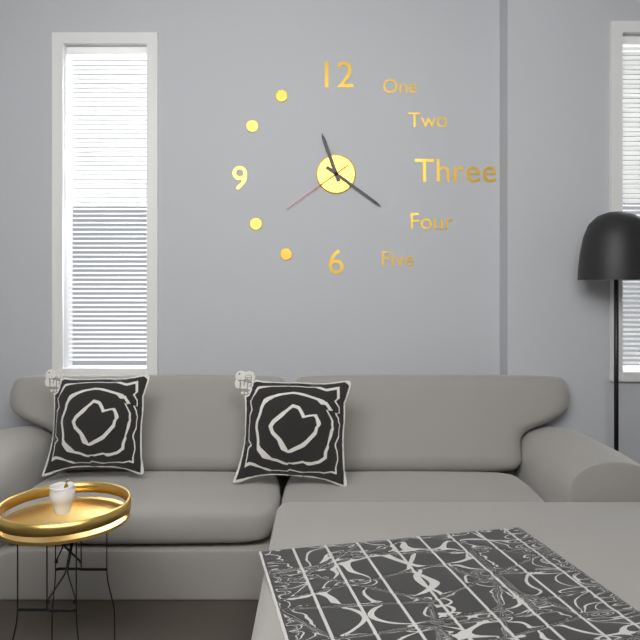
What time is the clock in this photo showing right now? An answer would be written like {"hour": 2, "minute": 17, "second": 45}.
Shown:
{"hour": 11, "minute": 21, "second": 39}
